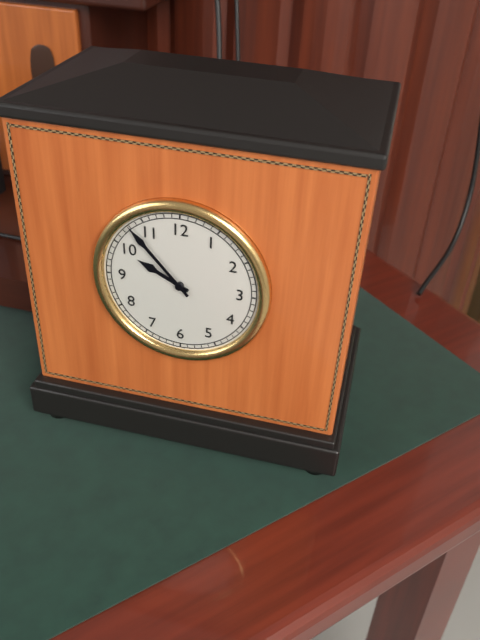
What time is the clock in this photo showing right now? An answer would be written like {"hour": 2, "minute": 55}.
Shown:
{"hour": 9, "minute": 53}
